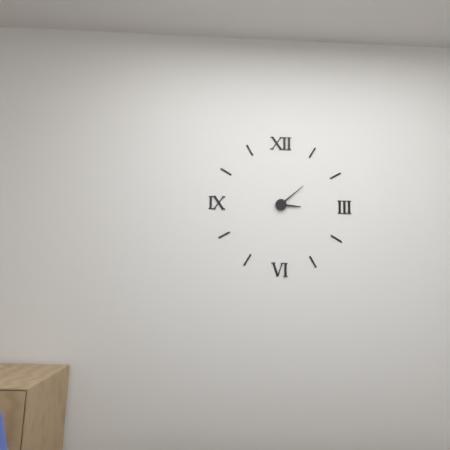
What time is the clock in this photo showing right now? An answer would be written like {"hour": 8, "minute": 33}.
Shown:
{"hour": 3, "minute": 8}
